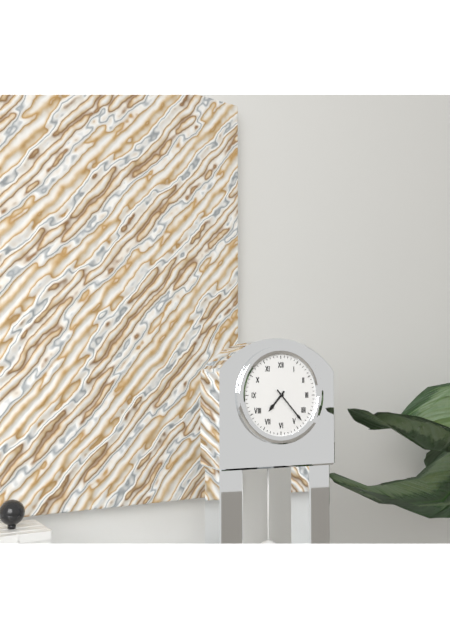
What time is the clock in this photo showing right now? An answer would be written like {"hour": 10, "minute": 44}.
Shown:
{"hour": 7, "minute": 23}
